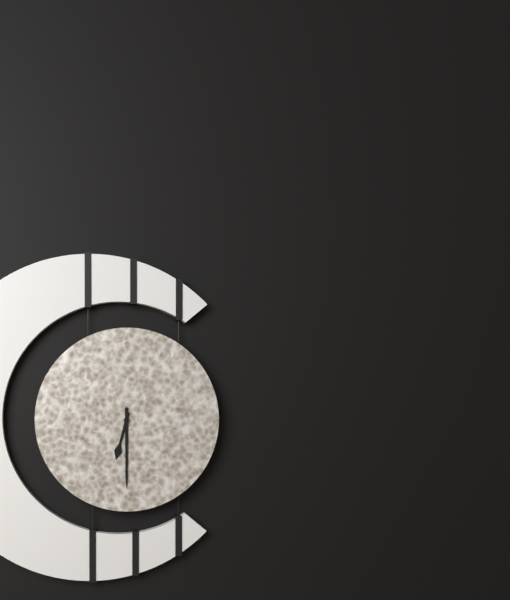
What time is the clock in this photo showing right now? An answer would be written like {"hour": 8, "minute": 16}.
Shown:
{"hour": 6, "minute": 30}
